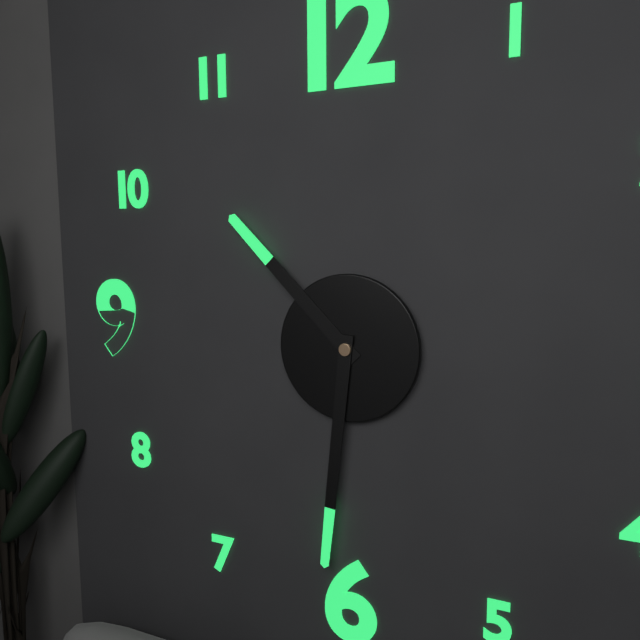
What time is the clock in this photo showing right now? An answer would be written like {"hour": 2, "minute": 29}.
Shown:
{"hour": 10, "minute": 31}
